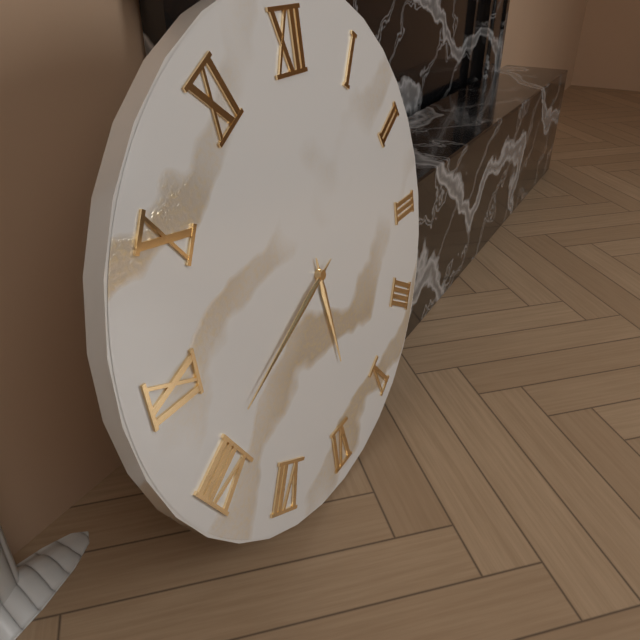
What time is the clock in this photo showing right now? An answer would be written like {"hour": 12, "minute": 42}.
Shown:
{"hour": 5, "minute": 41}
